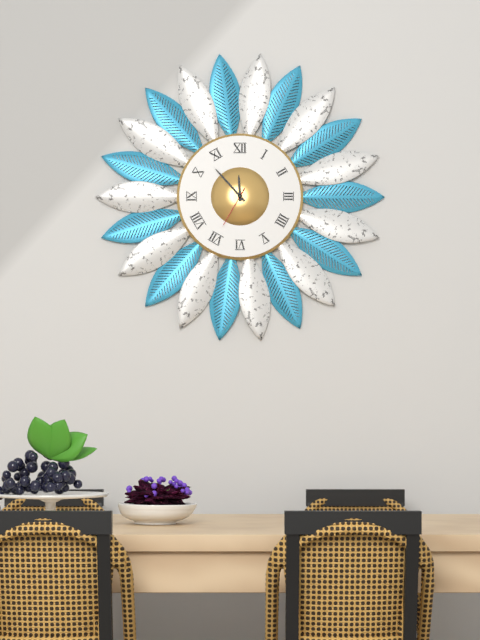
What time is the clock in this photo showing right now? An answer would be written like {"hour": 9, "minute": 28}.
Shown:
{"hour": 11, "minute": 53}
